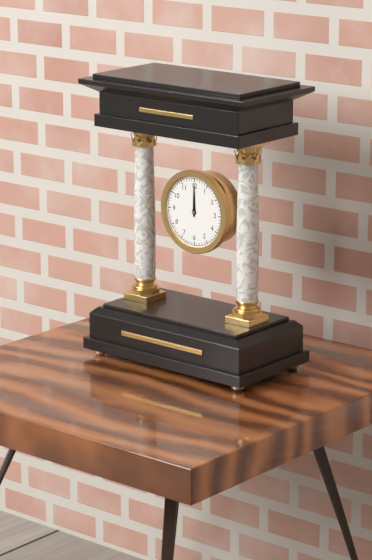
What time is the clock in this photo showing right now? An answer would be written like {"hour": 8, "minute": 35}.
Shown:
{"hour": 12, "minute": 0}
